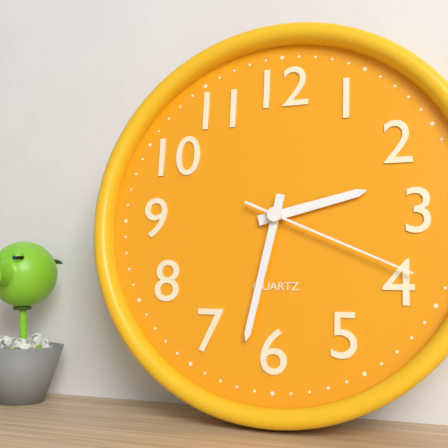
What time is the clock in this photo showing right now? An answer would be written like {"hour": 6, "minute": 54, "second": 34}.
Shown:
{"hour": 2, "minute": 32, "second": 19}
